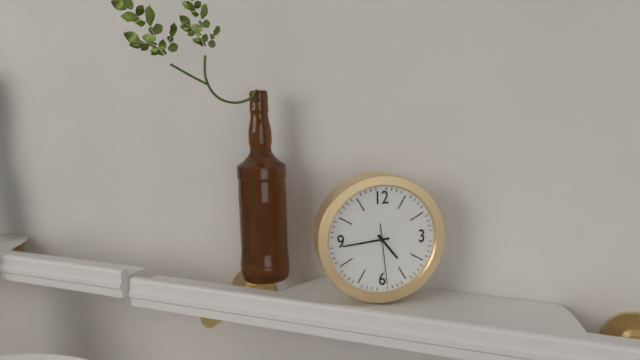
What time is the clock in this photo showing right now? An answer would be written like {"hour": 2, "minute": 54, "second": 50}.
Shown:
{"hour": 4, "minute": 44, "second": 29}
